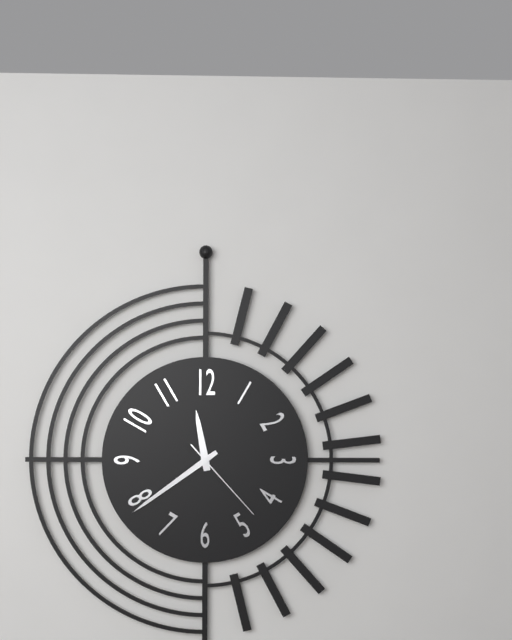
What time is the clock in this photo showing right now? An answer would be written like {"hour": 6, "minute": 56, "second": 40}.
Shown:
{"hour": 11, "minute": 39, "second": 23}
